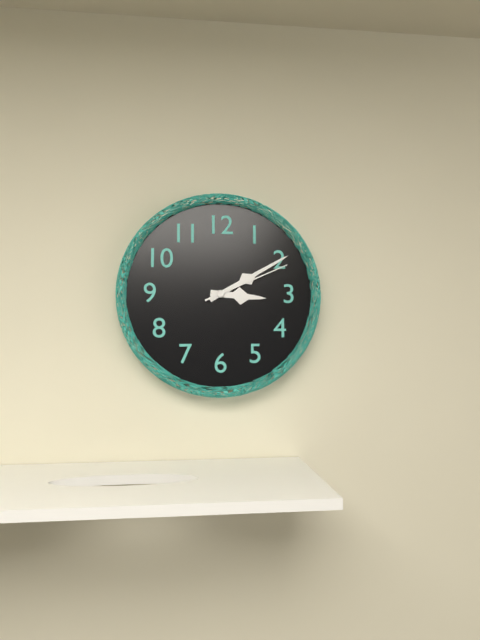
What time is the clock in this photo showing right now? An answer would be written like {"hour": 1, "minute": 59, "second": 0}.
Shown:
{"hour": 3, "minute": 10, "second": 11}
